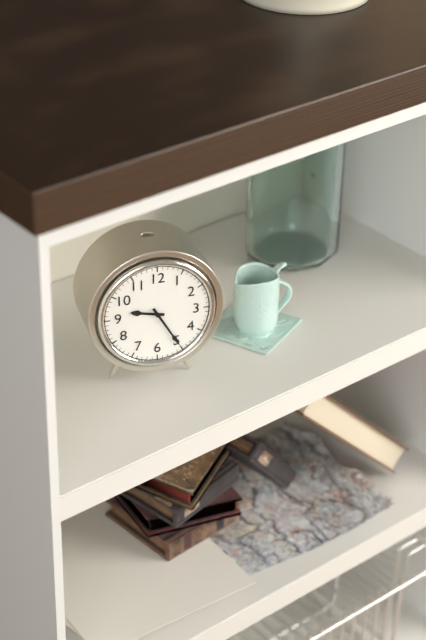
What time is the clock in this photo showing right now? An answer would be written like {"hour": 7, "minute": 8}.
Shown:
{"hour": 9, "minute": 25}
